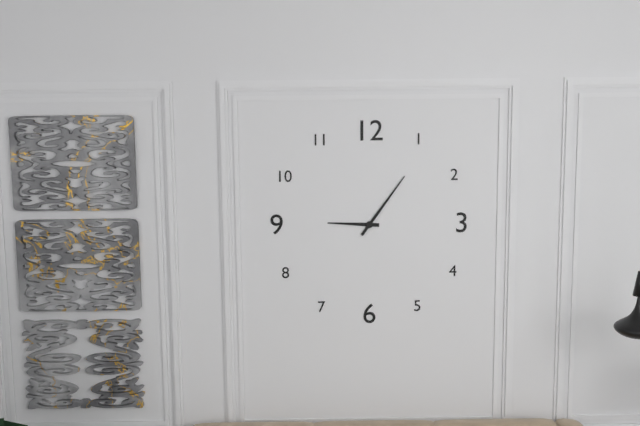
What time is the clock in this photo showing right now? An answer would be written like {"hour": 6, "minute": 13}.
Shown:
{"hour": 9, "minute": 6}
